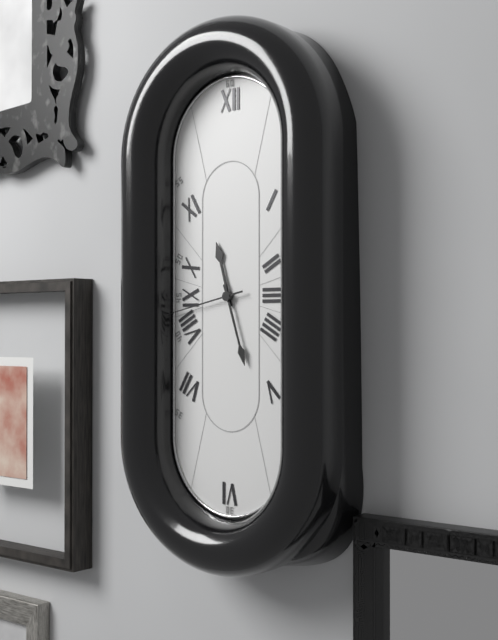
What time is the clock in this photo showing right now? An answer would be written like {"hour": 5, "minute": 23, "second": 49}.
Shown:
{"hour": 11, "minute": 27, "second": 43}
